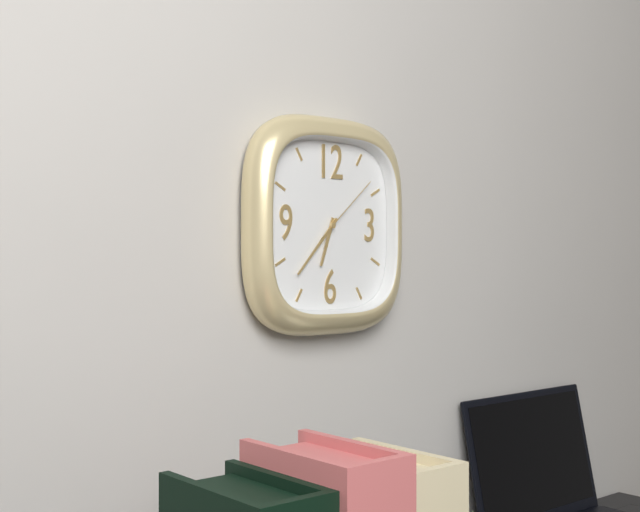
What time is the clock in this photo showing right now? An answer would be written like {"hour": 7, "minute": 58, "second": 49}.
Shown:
{"hour": 6, "minute": 37, "second": 8}
